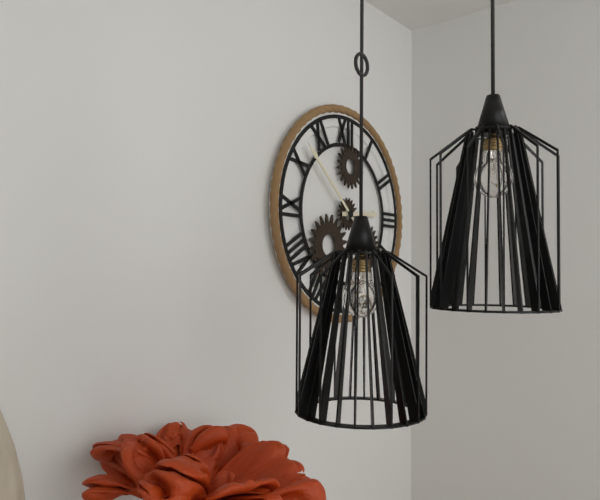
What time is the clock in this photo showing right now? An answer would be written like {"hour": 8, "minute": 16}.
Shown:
{"hour": 2, "minute": 52}
